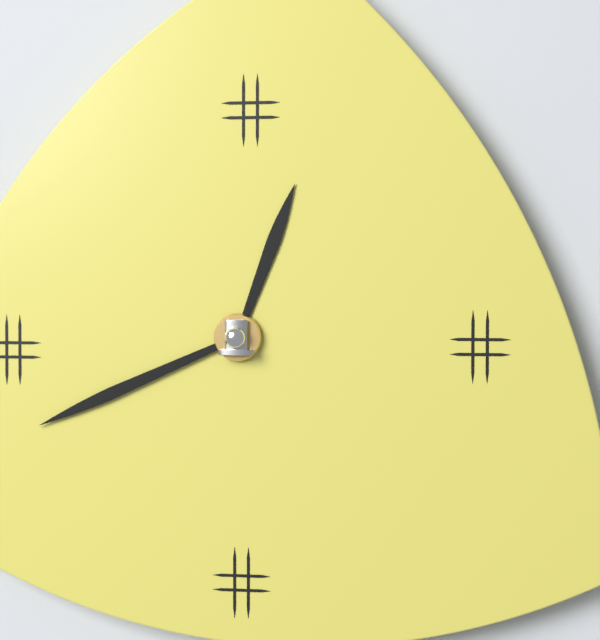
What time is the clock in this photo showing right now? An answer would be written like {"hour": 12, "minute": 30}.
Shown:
{"hour": 12, "minute": 41}
